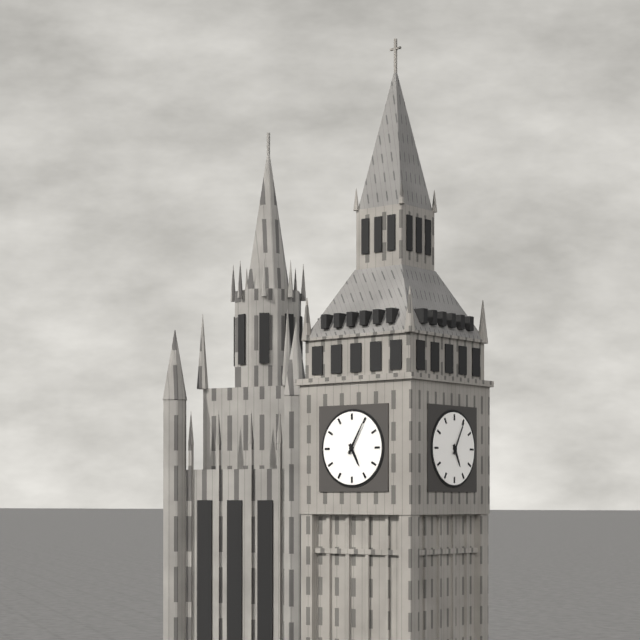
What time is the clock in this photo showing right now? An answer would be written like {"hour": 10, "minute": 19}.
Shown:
{"hour": 5, "minute": 5}
